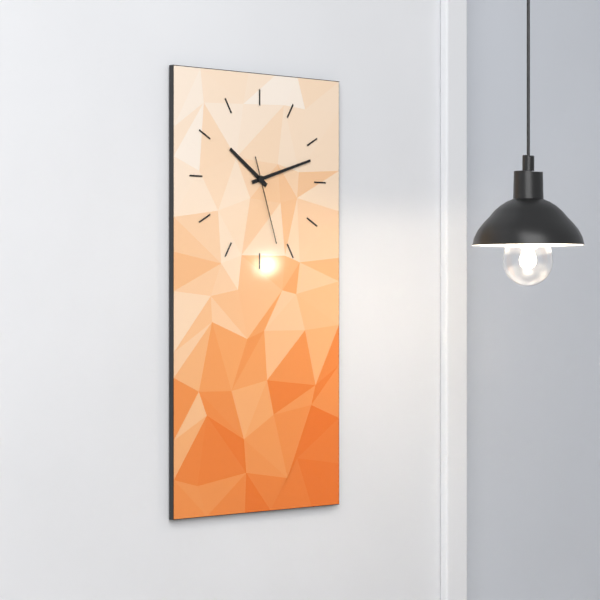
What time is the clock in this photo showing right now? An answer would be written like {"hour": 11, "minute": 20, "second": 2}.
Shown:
{"hour": 10, "minute": 12, "second": 27}
